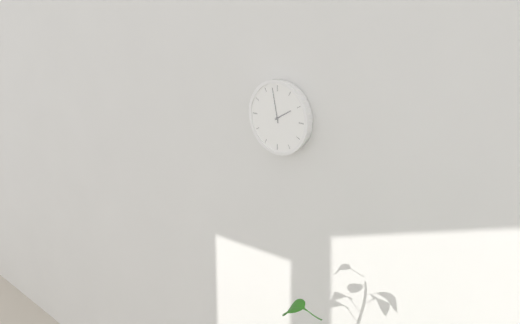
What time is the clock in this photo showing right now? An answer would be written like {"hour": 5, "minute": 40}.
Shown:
{"hour": 1, "minute": 58}
